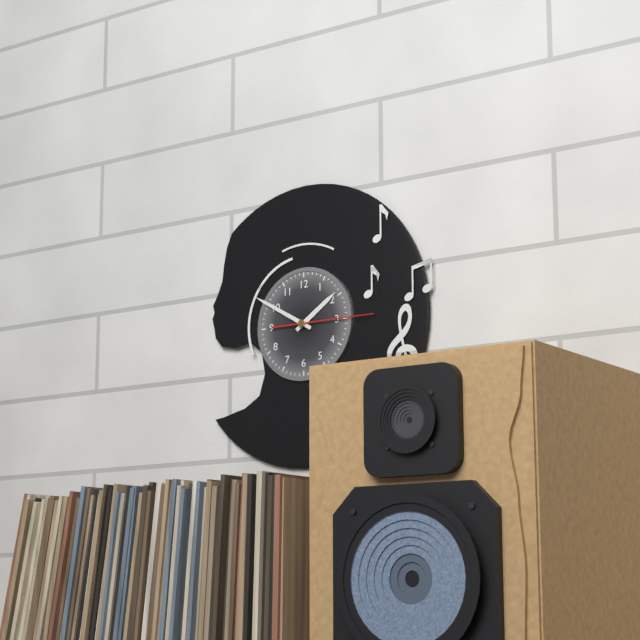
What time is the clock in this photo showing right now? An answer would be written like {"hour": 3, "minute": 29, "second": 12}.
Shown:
{"hour": 1, "minute": 50, "second": 15}
